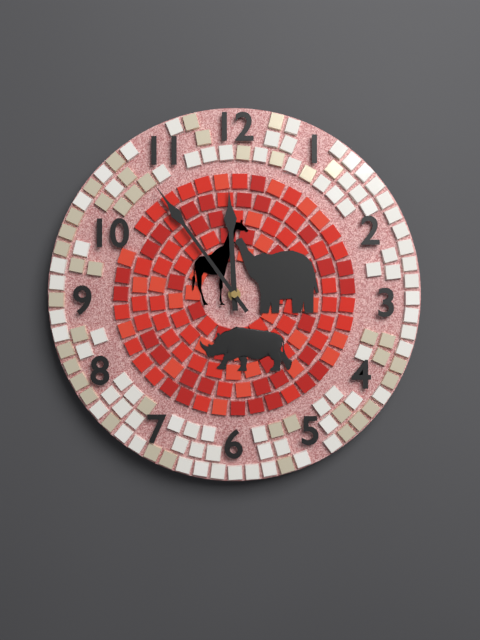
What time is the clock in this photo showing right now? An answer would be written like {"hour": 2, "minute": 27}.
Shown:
{"hour": 11, "minute": 54}
